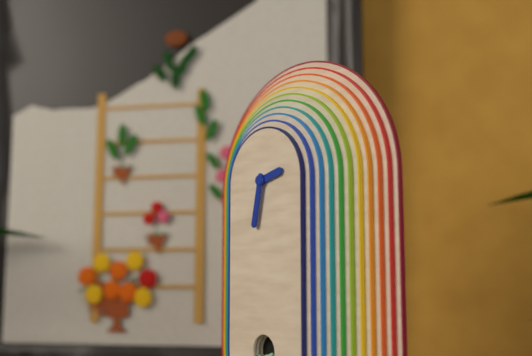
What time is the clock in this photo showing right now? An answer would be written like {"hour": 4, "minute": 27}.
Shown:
{"hour": 2, "minute": 32}
